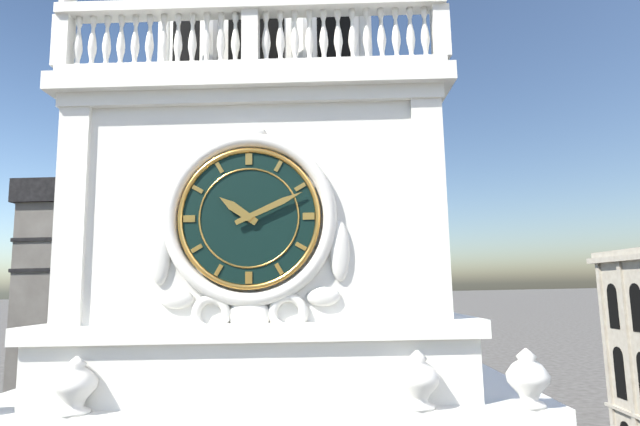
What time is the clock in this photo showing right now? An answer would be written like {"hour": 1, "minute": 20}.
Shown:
{"hour": 10, "minute": 11}
